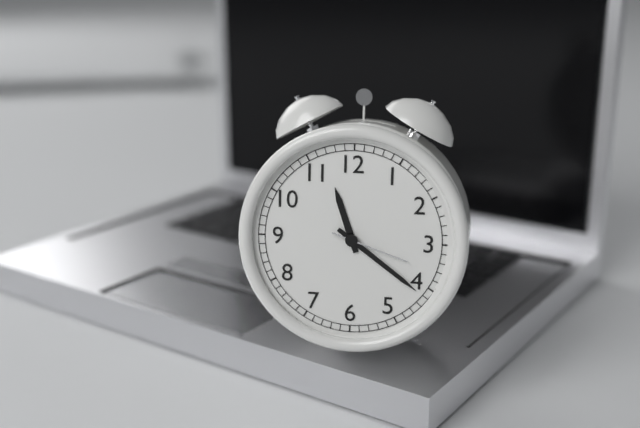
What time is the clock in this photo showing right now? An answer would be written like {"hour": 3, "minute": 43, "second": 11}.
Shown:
{"hour": 11, "minute": 21, "second": 18}
